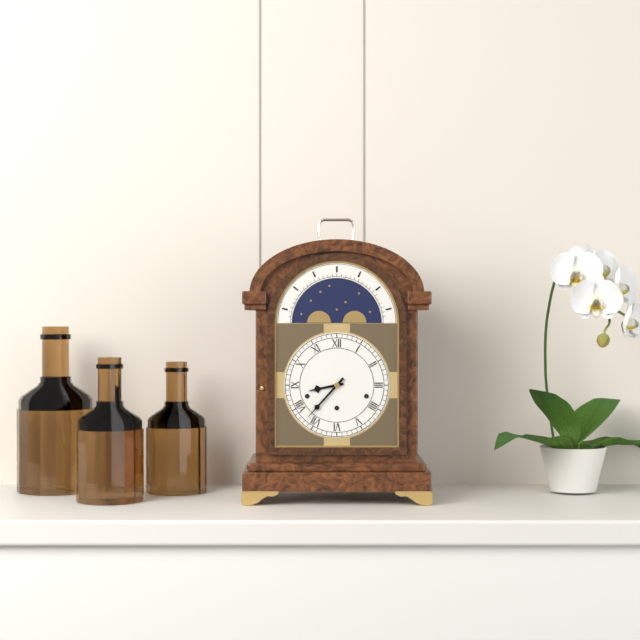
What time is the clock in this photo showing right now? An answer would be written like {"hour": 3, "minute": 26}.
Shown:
{"hour": 8, "minute": 37}
